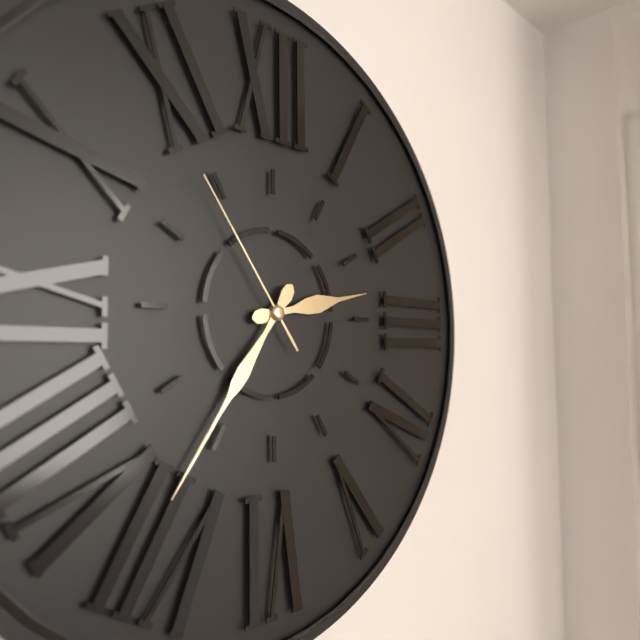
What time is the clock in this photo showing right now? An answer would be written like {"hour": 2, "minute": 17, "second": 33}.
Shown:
{"hour": 2, "minute": 36, "second": 54}
